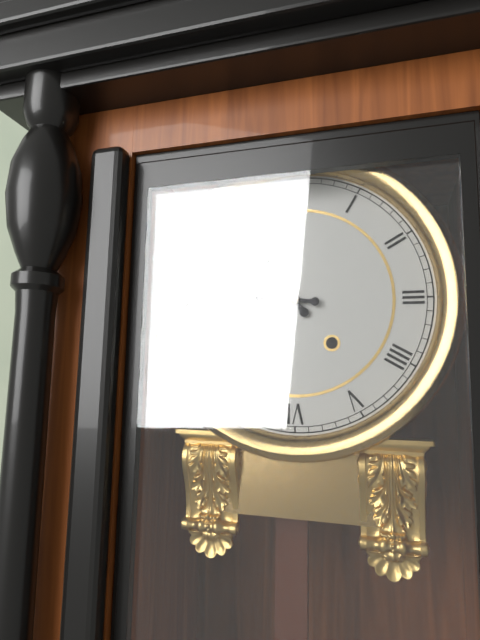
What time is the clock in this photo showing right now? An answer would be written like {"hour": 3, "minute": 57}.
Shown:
{"hour": 10, "minute": 46}
